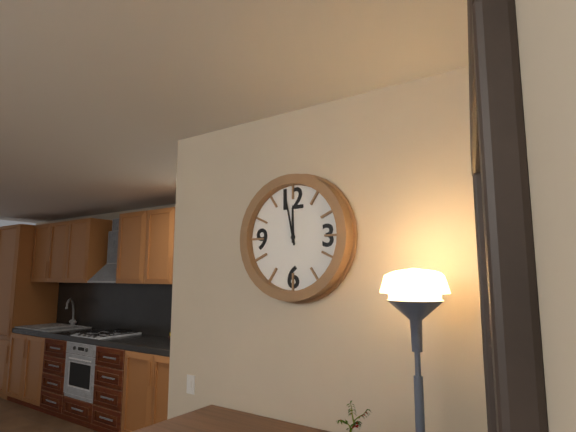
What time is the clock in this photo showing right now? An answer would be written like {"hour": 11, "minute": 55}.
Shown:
{"hour": 11, "minute": 58}
